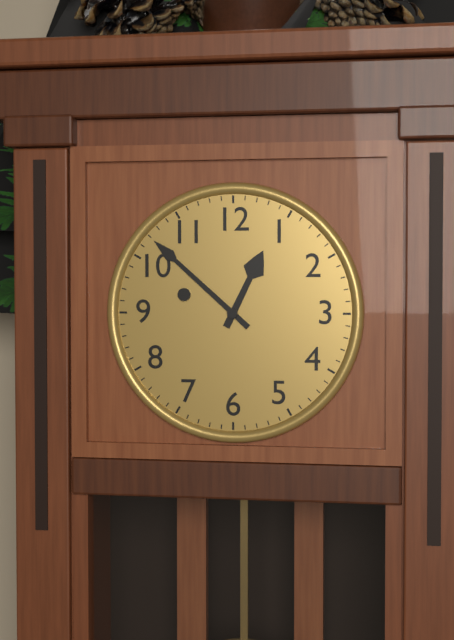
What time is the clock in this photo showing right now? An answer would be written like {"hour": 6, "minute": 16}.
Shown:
{"hour": 12, "minute": 52}
